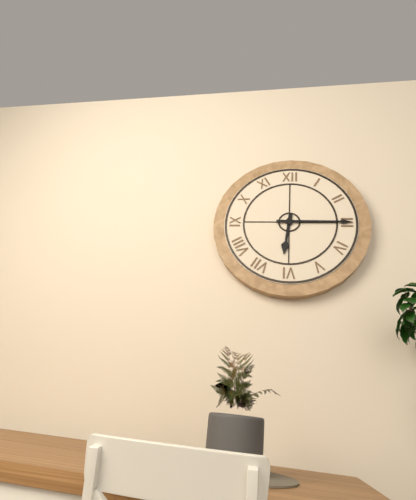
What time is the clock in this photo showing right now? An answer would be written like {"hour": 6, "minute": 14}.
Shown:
{"hour": 6, "minute": 15}
